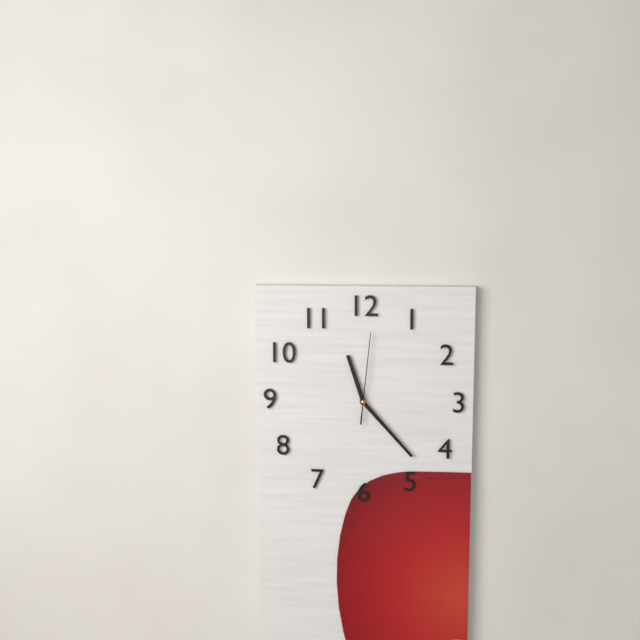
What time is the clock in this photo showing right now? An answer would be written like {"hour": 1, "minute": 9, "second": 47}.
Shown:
{"hour": 11, "minute": 23, "second": 1}
